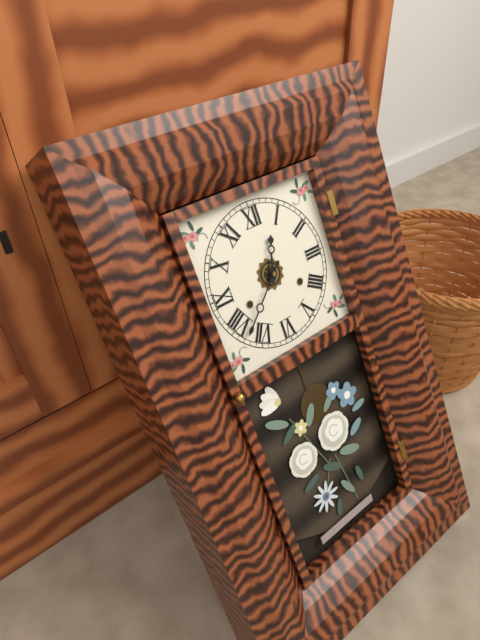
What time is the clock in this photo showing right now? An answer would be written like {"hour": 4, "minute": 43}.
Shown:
{"hour": 12, "minute": 38}
